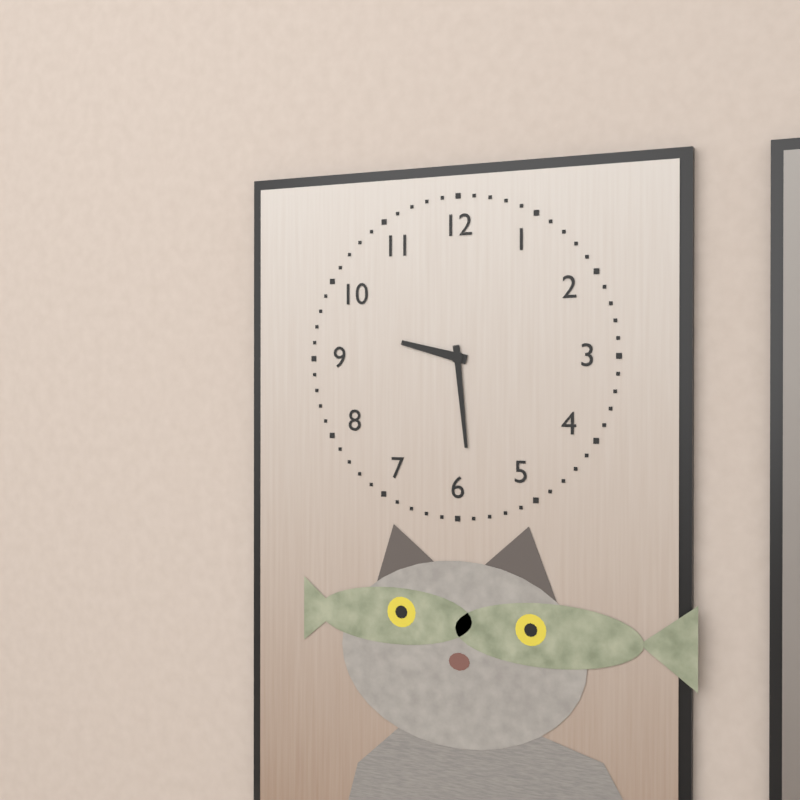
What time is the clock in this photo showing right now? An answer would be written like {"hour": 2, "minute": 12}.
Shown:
{"hour": 9, "minute": 29}
